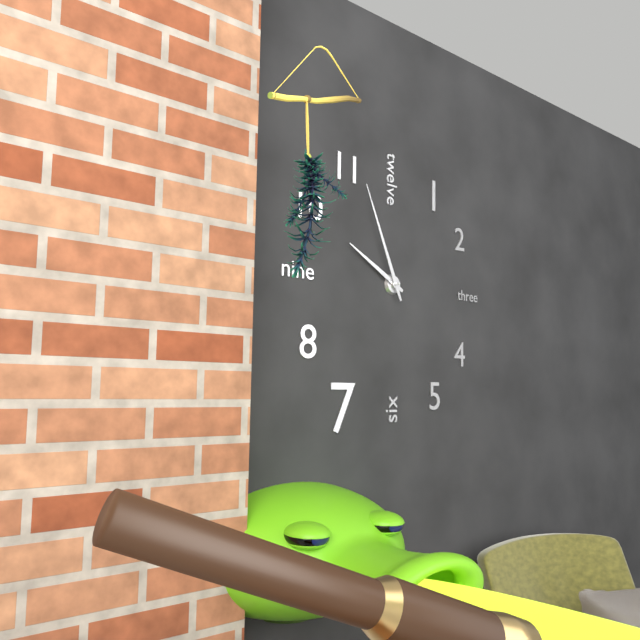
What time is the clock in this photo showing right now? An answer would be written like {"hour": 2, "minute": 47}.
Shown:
{"hour": 9, "minute": 56}
